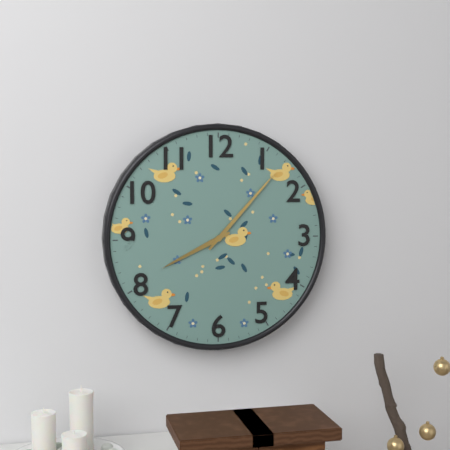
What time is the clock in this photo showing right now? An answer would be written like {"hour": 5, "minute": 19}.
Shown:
{"hour": 8, "minute": 7}
